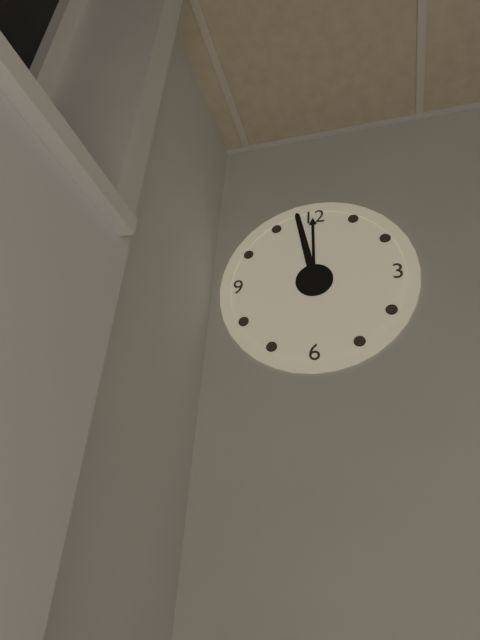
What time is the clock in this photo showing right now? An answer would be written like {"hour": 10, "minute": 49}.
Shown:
{"hour": 11, "minute": 58}
